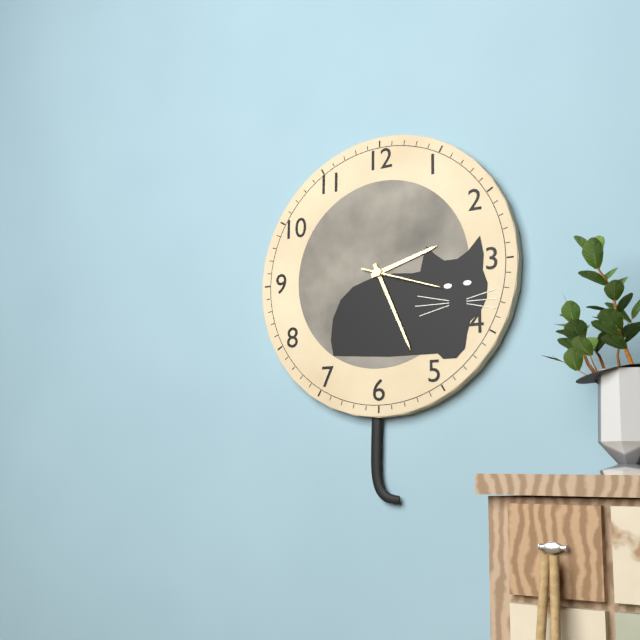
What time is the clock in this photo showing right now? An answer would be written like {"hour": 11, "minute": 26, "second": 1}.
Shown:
{"hour": 2, "minute": 26, "second": 18}
